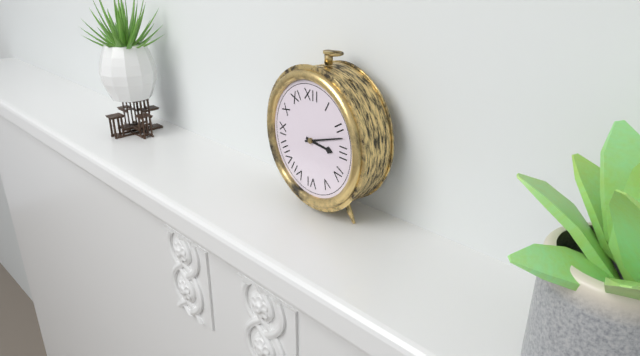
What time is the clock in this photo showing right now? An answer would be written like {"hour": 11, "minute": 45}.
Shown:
{"hour": 3, "minute": 12}
